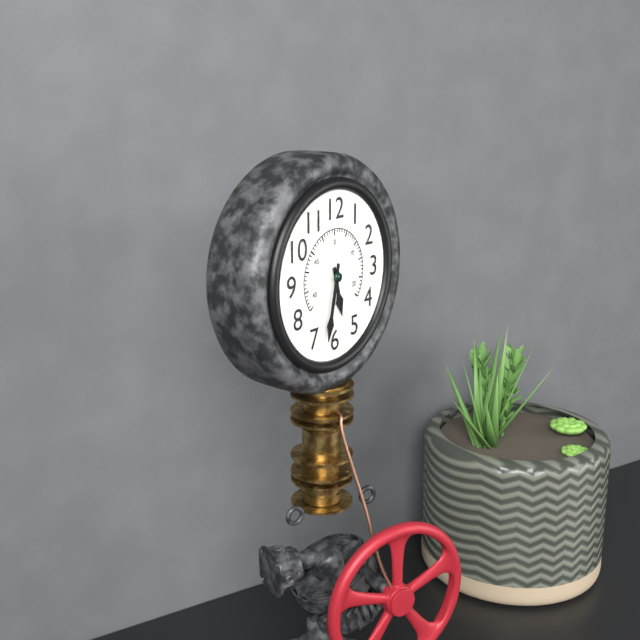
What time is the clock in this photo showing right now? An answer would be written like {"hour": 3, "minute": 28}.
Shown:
{"hour": 5, "minute": 32}
